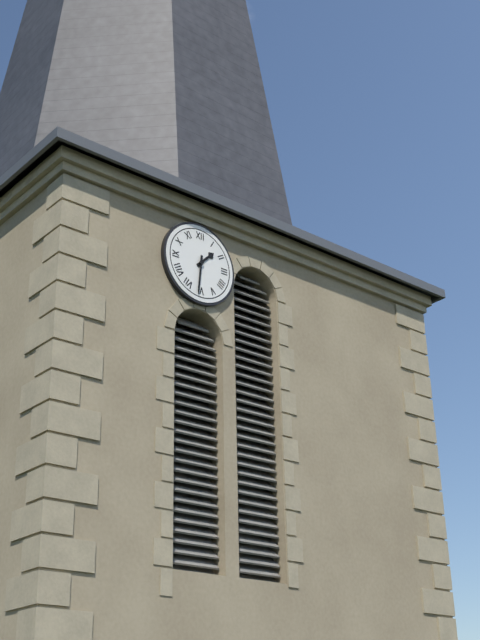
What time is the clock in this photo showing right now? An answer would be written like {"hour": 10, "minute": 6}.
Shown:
{"hour": 1, "minute": 31}
